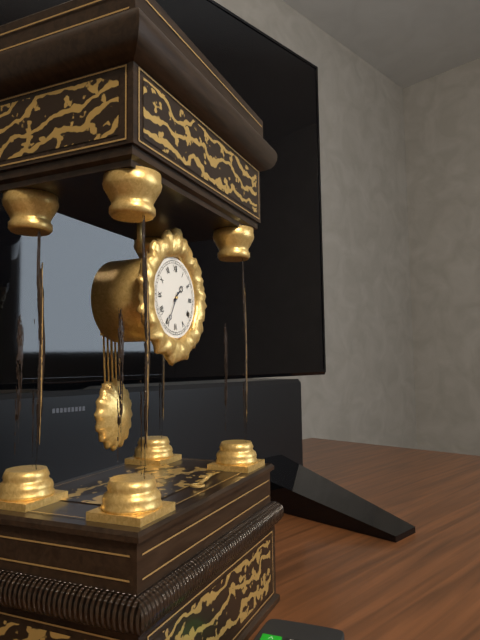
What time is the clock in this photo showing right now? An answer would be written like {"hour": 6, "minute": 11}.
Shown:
{"hour": 1, "minute": 35}
